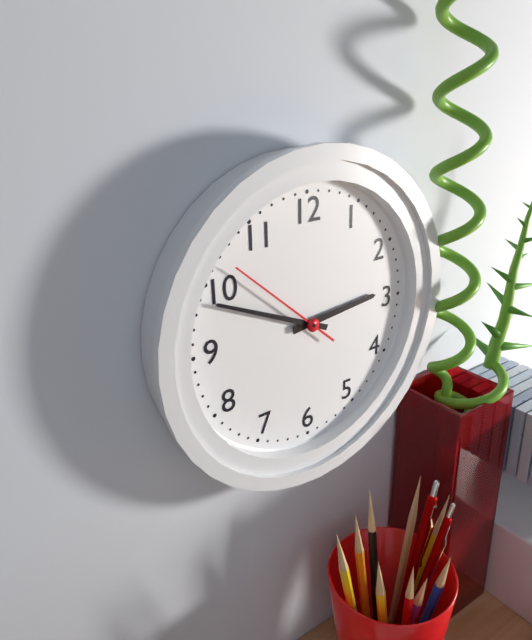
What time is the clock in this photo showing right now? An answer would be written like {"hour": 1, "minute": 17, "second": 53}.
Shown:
{"hour": 2, "minute": 49, "second": 52}
